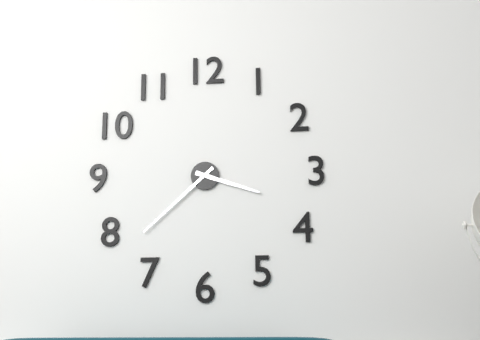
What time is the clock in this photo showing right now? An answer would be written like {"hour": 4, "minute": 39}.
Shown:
{"hour": 3, "minute": 38}
